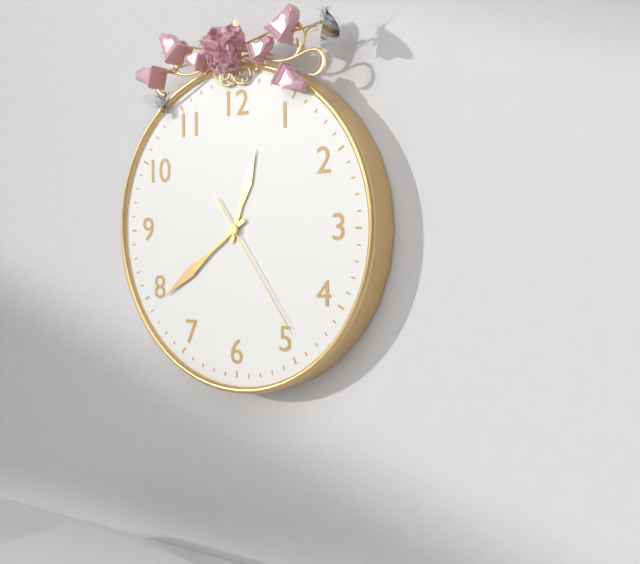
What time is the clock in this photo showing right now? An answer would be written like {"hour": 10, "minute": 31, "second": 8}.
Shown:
{"hour": 12, "minute": 39, "second": 24}
